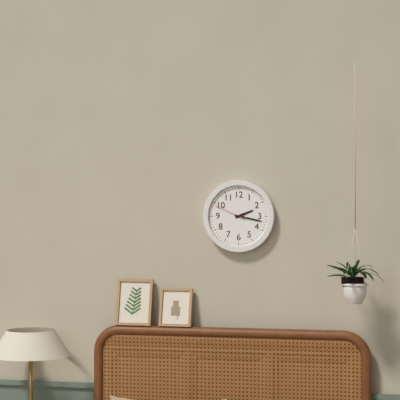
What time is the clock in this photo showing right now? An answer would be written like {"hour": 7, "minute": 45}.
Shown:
{"hour": 2, "minute": 17}
